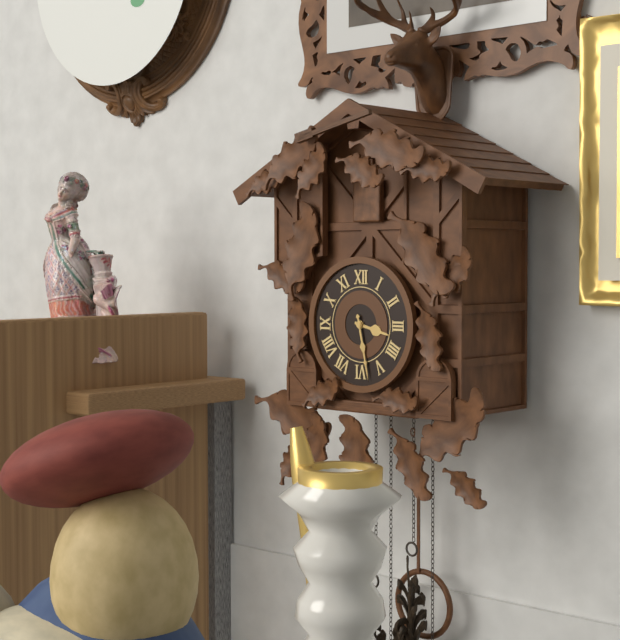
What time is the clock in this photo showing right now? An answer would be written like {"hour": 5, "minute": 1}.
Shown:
{"hour": 3, "minute": 28}
